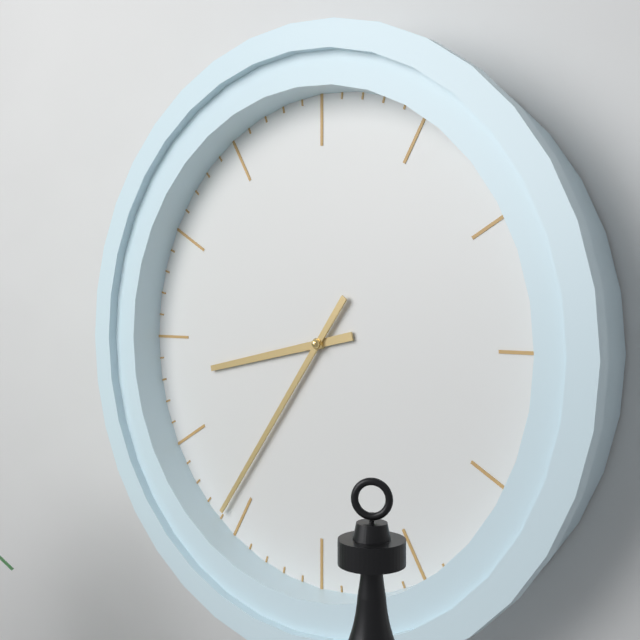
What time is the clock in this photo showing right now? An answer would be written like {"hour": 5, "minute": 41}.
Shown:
{"hour": 8, "minute": 36}
